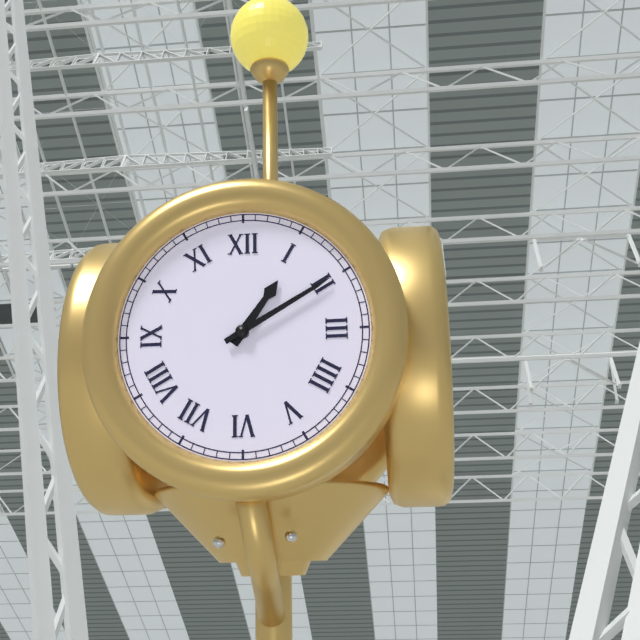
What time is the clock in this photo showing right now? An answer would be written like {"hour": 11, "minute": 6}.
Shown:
{"hour": 1, "minute": 10}
